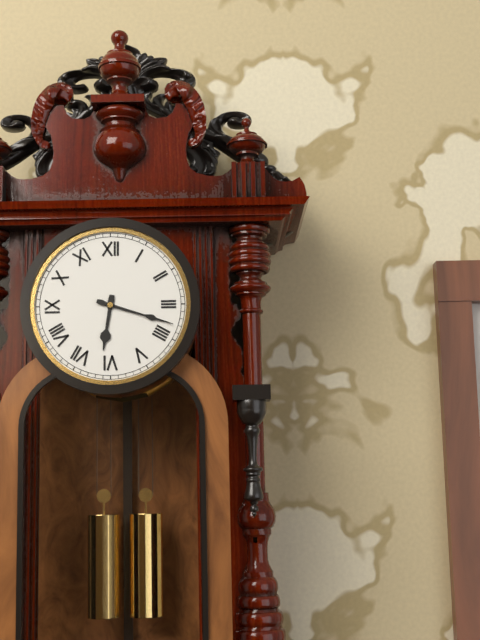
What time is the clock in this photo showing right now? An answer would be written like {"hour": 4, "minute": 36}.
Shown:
{"hour": 6, "minute": 18}
